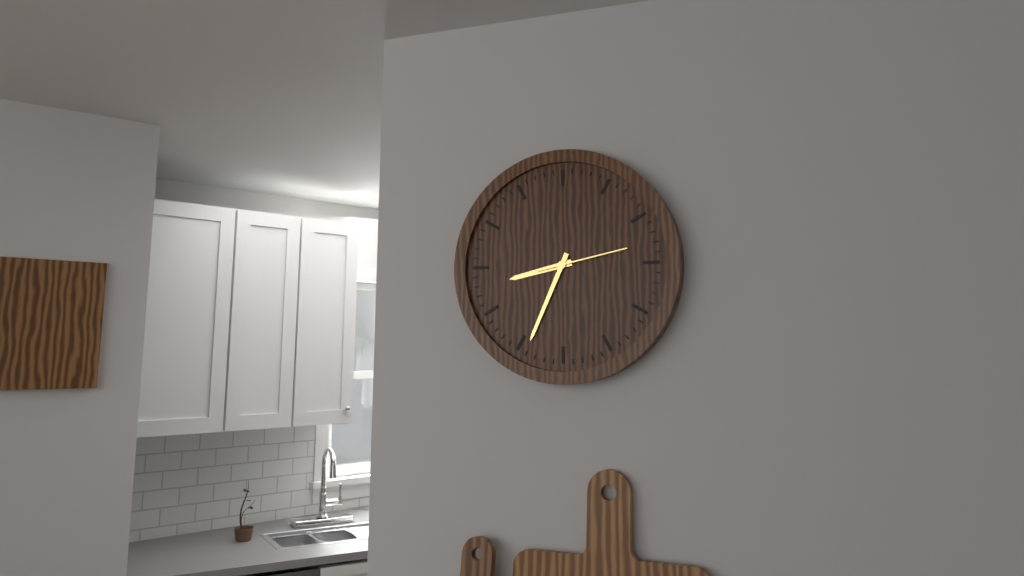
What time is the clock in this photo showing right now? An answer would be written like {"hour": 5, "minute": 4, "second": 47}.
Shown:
{"hour": 8, "minute": 34, "second": 13}
